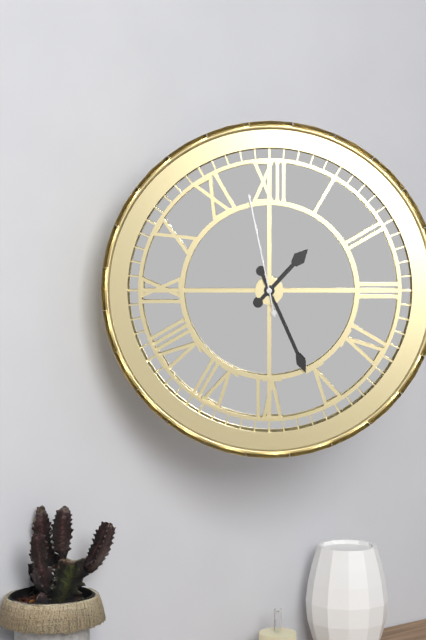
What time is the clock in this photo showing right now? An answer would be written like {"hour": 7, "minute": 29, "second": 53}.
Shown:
{"hour": 1, "minute": 26, "second": 58}
